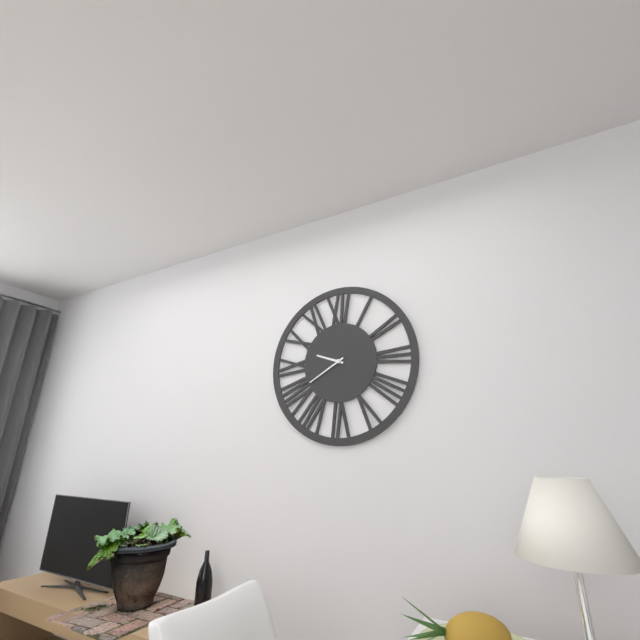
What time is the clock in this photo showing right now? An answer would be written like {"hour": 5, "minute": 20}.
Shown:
{"hour": 9, "minute": 40}
